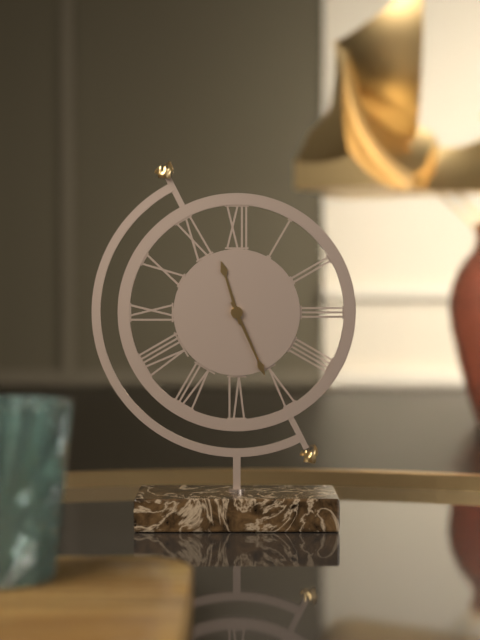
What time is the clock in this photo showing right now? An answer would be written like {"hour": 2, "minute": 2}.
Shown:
{"hour": 11, "minute": 26}
